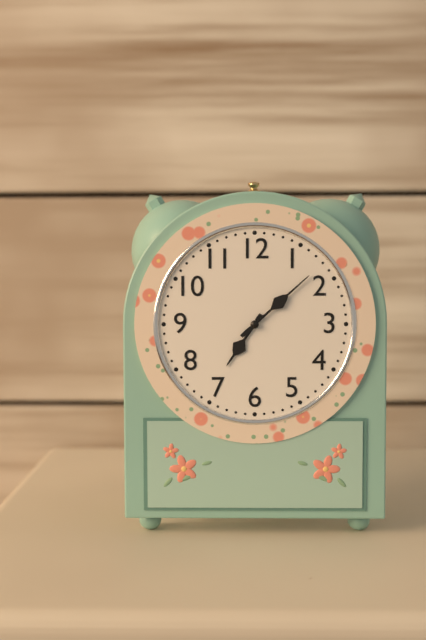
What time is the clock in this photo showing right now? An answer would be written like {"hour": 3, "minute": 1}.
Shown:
{"hour": 7, "minute": 8}
